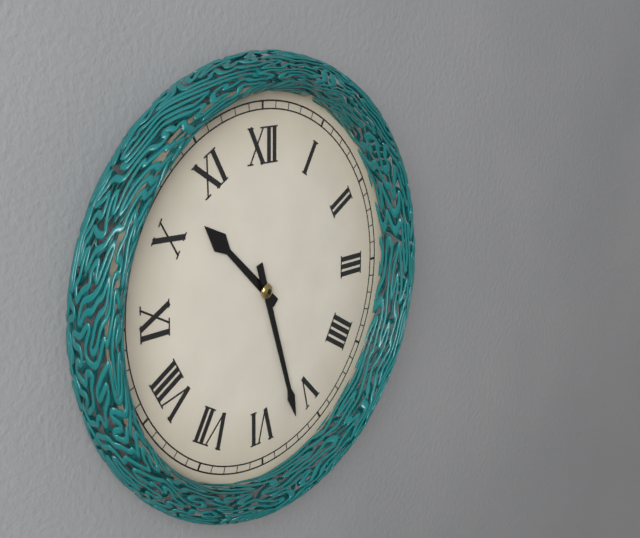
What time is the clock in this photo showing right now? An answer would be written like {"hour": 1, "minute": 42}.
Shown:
{"hour": 10, "minute": 27}
